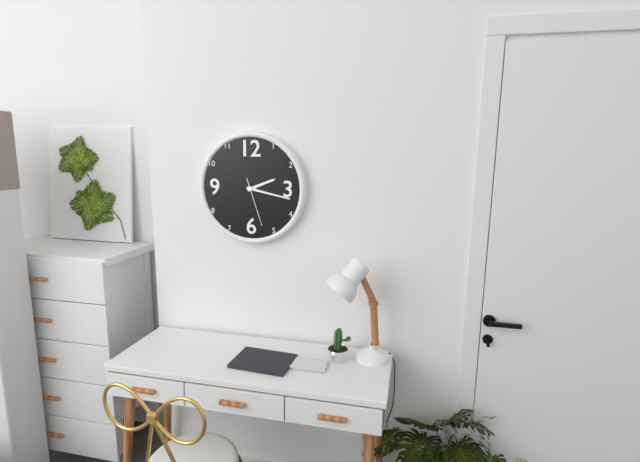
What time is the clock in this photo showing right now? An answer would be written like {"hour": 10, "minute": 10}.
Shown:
{"hour": 2, "minute": 17}
